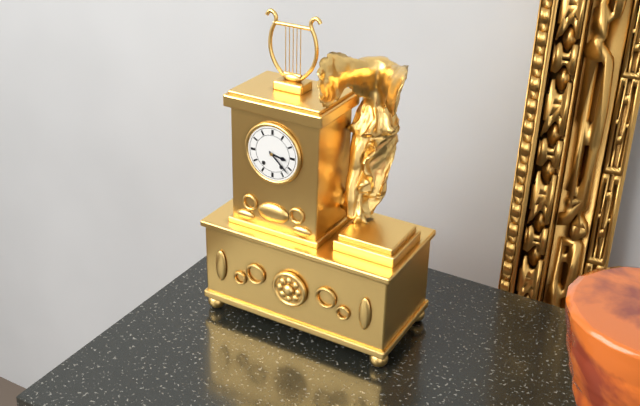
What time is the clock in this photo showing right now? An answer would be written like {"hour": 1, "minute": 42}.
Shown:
{"hour": 3, "minute": 22}
